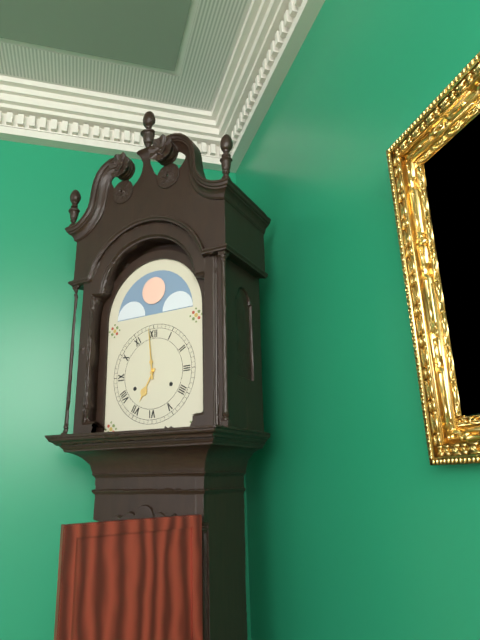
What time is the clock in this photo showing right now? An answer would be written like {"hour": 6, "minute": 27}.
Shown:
{"hour": 6, "minute": 59}
